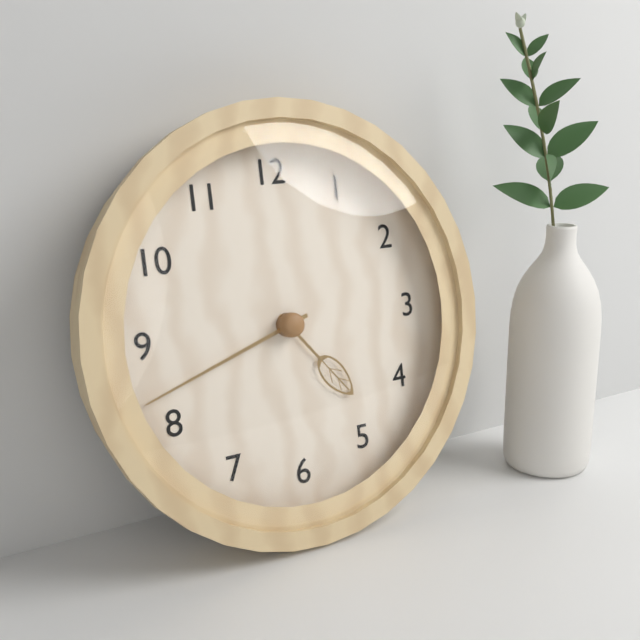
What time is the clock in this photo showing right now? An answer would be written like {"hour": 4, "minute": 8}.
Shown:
{"hour": 4, "minute": 42}
